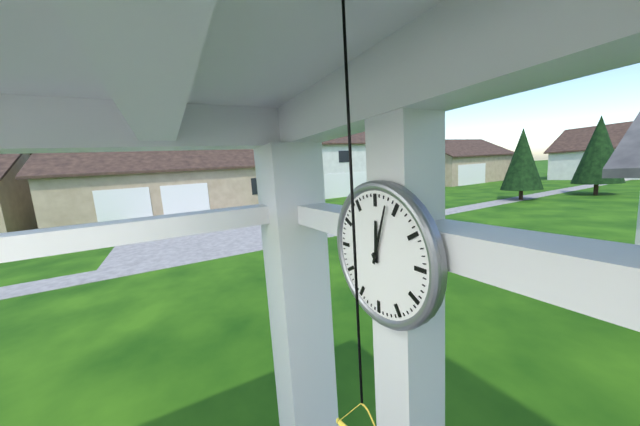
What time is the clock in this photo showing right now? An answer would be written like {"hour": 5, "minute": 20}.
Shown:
{"hour": 12, "minute": 3}
